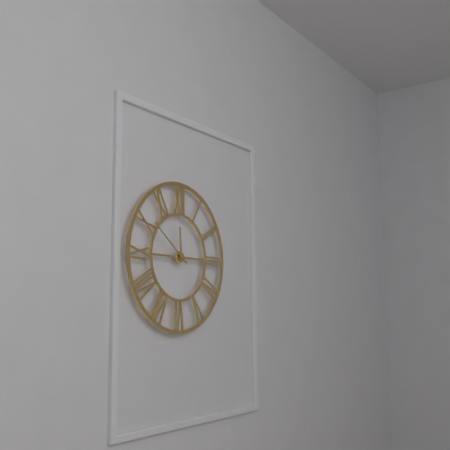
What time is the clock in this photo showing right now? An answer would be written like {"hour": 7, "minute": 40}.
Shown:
{"hour": 11, "minute": 51}
